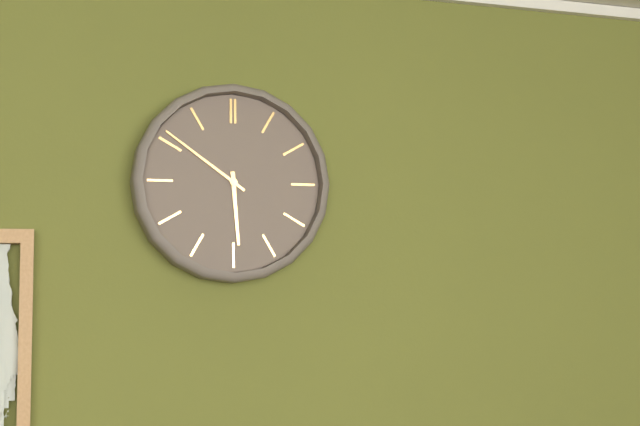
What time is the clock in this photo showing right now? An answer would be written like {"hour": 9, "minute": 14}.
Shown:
{"hour": 5, "minute": 51}
